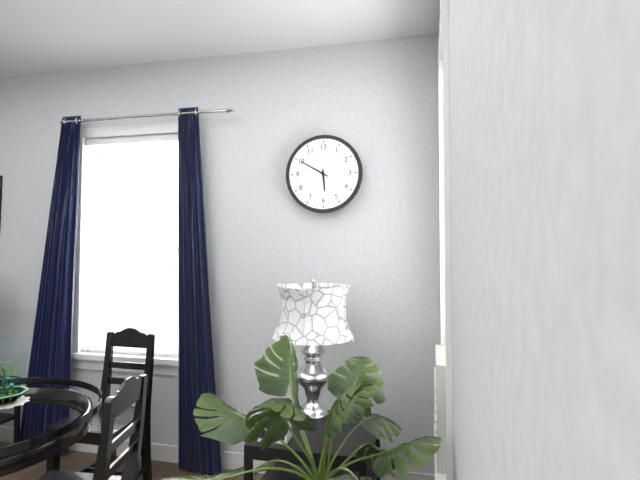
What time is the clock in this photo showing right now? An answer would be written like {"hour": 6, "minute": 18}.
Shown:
{"hour": 5, "minute": 50}
